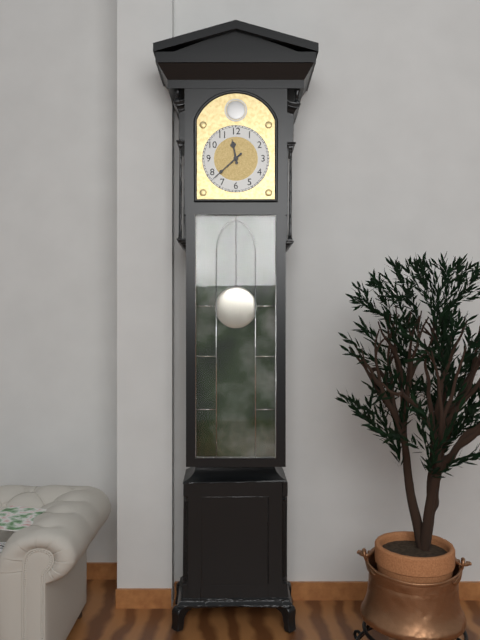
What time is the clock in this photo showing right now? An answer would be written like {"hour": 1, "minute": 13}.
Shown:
{"hour": 11, "minute": 38}
